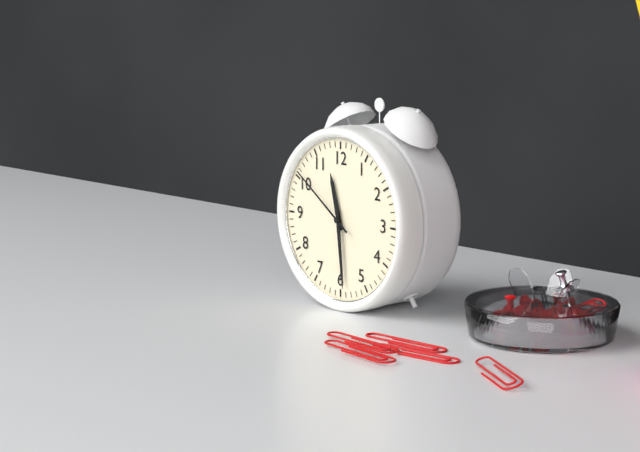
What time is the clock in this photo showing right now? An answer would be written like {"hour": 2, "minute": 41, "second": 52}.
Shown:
{"hour": 11, "minute": 29, "second": 51}
